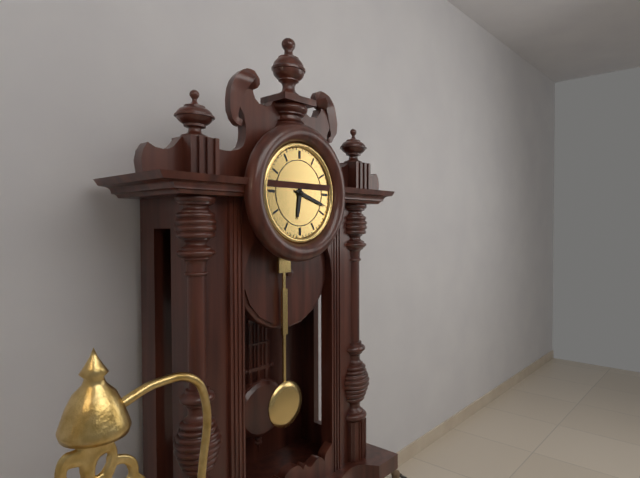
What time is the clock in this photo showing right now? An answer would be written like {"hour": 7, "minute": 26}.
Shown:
{"hour": 6, "minute": 18}
